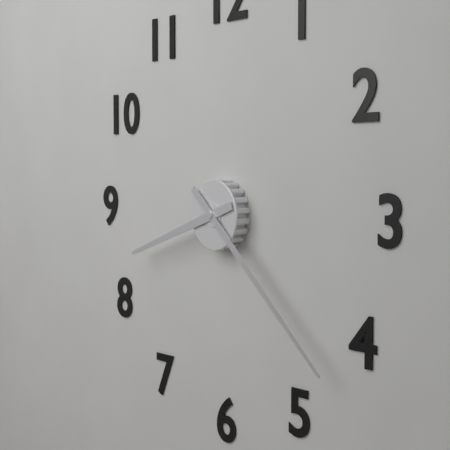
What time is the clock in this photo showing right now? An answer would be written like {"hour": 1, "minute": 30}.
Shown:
{"hour": 8, "minute": 22}
